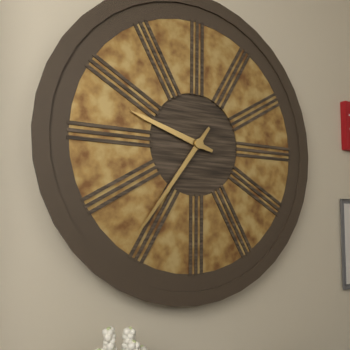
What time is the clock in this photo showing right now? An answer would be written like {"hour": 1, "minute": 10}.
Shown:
{"hour": 9, "minute": 36}
